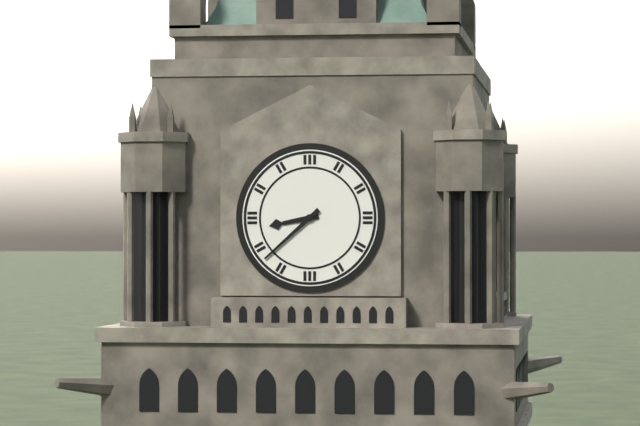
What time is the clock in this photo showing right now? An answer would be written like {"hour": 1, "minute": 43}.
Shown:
{"hour": 8, "minute": 38}
